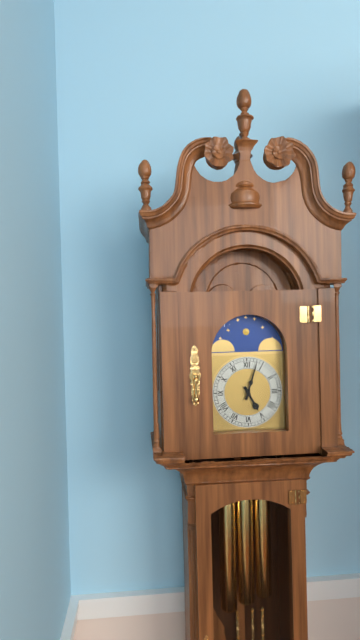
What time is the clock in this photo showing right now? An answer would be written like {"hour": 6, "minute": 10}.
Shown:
{"hour": 5, "minute": 3}
